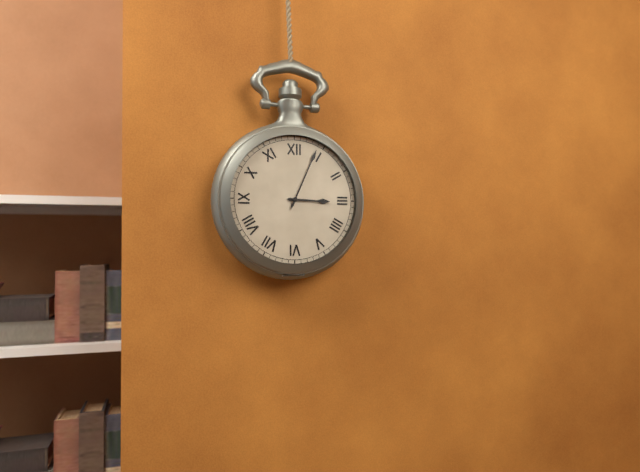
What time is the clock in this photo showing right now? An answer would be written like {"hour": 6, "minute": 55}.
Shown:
{"hour": 3, "minute": 4}
